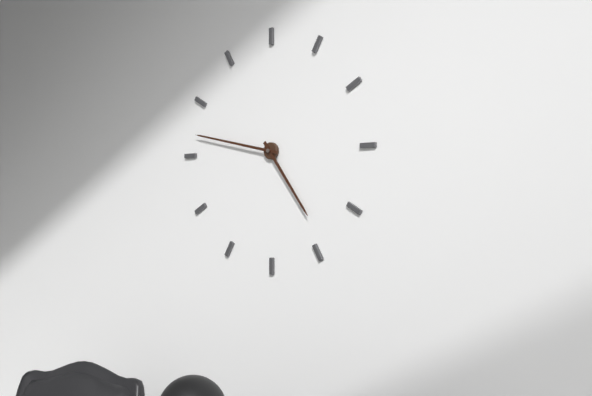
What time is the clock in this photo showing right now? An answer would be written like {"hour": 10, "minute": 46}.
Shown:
{"hour": 4, "minute": 47}
